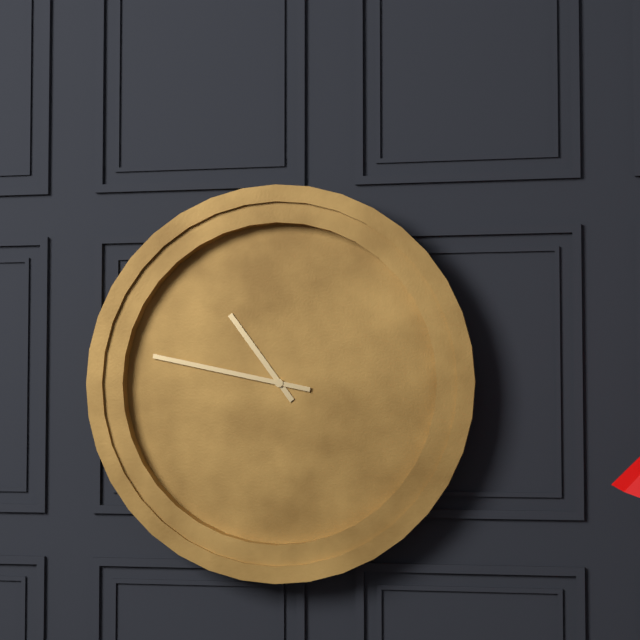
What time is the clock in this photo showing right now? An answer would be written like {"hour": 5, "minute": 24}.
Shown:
{"hour": 10, "minute": 47}
